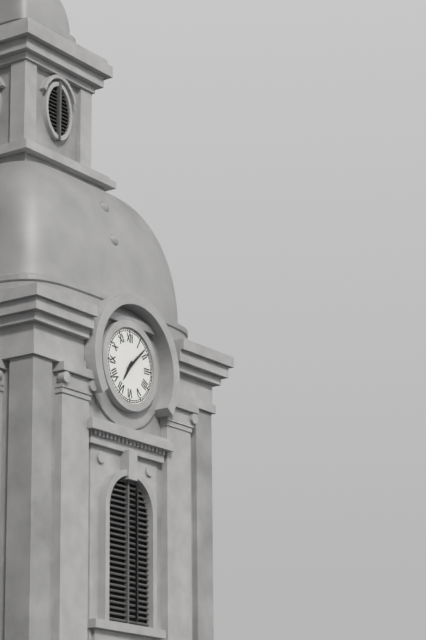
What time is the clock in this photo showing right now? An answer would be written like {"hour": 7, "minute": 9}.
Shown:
{"hour": 7, "minute": 8}
